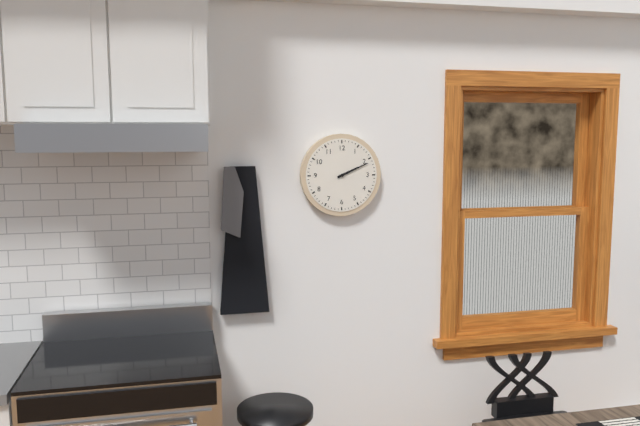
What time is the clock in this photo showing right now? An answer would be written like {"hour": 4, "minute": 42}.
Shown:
{"hour": 2, "minute": 11}
